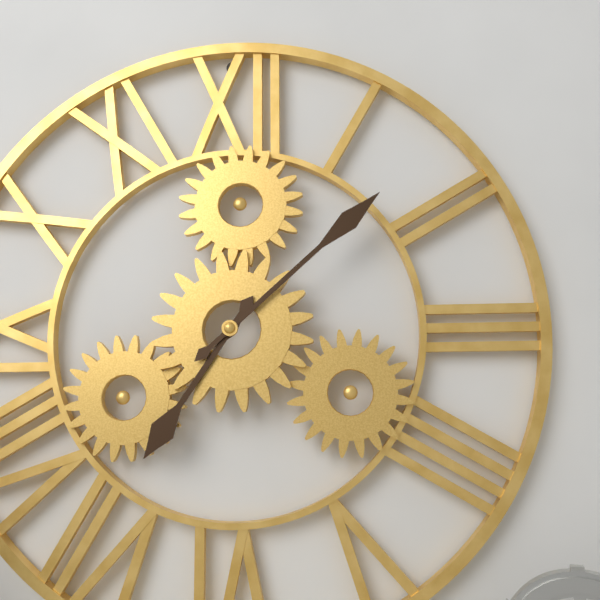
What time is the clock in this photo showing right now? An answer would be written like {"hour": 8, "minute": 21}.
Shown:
{"hour": 7, "minute": 8}
